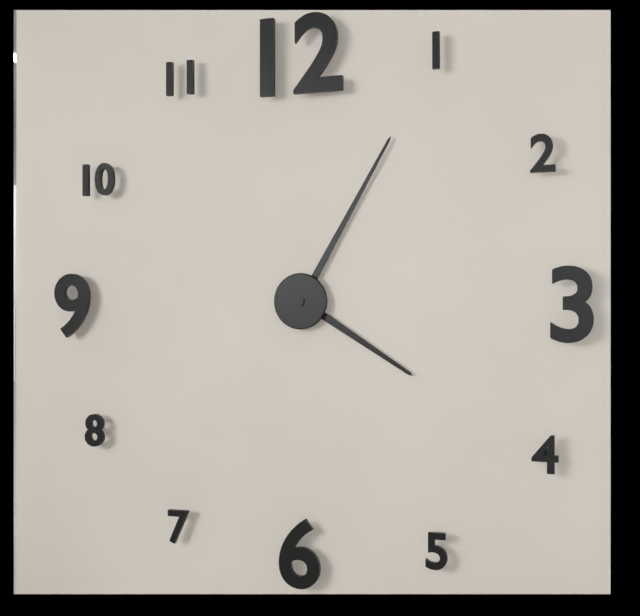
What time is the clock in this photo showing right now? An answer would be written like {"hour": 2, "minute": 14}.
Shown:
{"hour": 4, "minute": 5}
